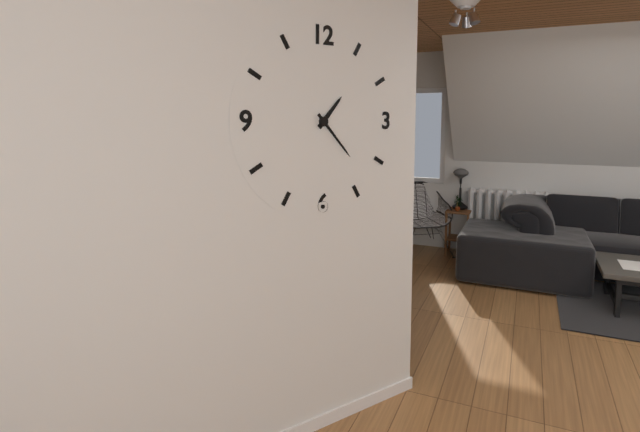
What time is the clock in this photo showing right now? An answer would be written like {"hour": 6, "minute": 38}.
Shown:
{"hour": 1, "minute": 23}
